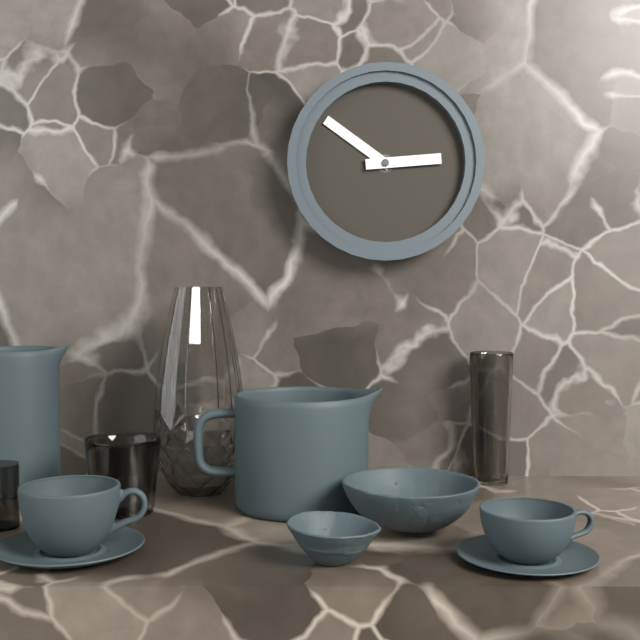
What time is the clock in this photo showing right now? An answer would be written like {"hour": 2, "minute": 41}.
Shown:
{"hour": 2, "minute": 51}
